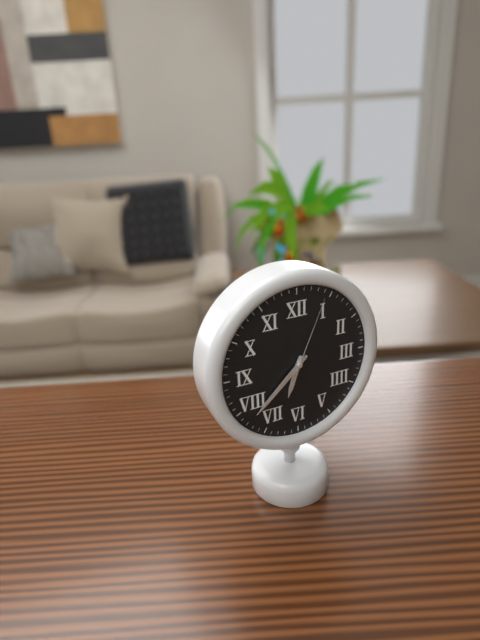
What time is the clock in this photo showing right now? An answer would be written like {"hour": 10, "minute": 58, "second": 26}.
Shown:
{"hour": 6, "minute": 38, "second": 4}
